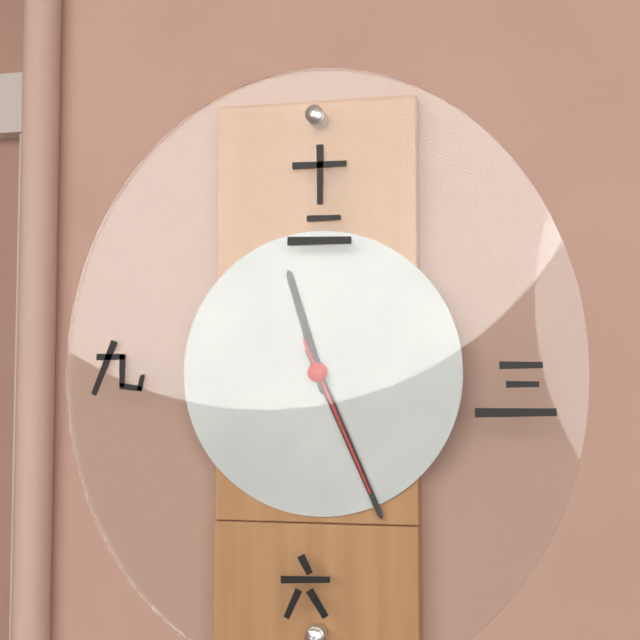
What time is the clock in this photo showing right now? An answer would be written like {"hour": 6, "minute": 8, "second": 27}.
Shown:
{"hour": 11, "minute": 26, "second": 26}
